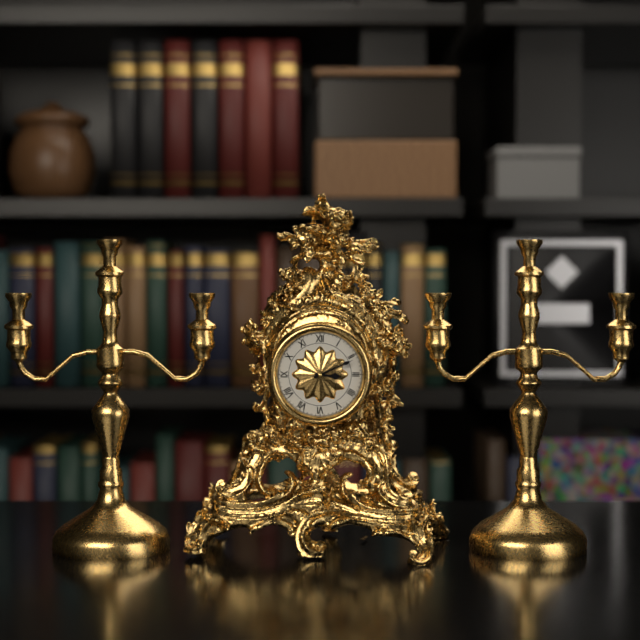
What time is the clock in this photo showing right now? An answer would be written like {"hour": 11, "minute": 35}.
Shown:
{"hour": 3, "minute": 11}
